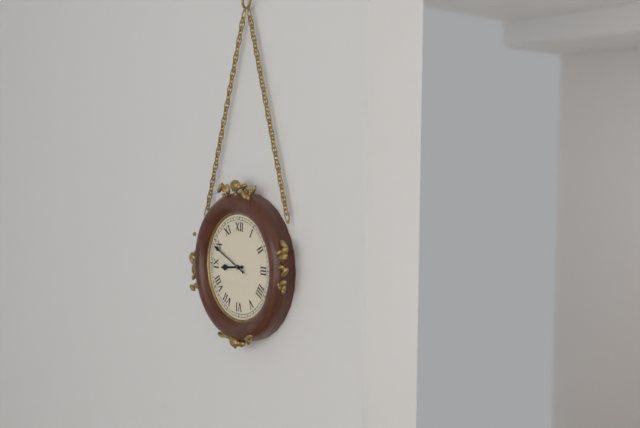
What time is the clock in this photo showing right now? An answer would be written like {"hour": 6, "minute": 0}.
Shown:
{"hour": 8, "minute": 49}
